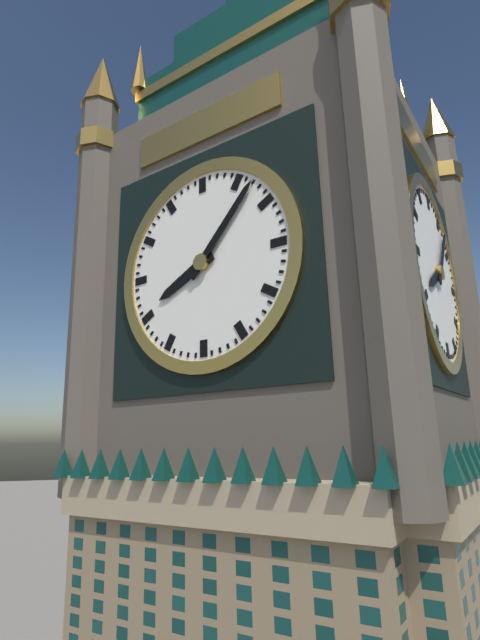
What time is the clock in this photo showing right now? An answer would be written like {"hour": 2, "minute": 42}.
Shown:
{"hour": 8, "minute": 7}
